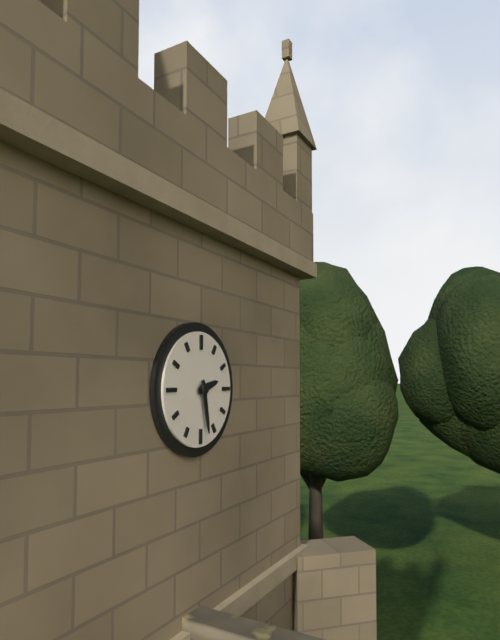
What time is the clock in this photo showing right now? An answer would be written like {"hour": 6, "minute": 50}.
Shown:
{"hour": 2, "minute": 28}
